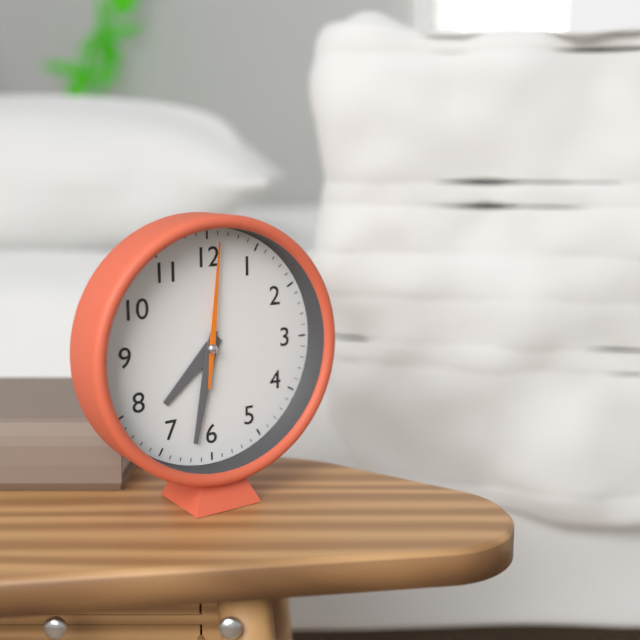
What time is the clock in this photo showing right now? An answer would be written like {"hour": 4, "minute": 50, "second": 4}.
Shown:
{"hour": 7, "minute": 32, "second": 1}
